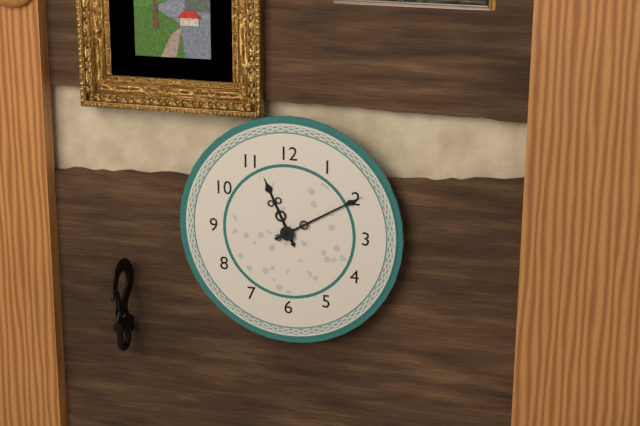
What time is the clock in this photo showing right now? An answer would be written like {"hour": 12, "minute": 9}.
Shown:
{"hour": 11, "minute": 10}
